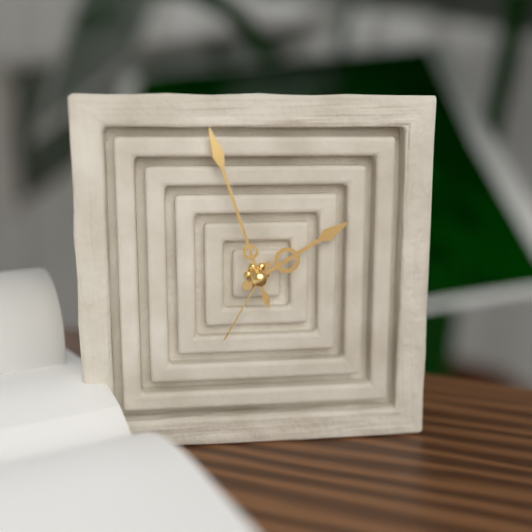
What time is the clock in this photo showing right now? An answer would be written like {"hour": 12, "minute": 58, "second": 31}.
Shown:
{"hour": 1, "minute": 57, "second": 35}
